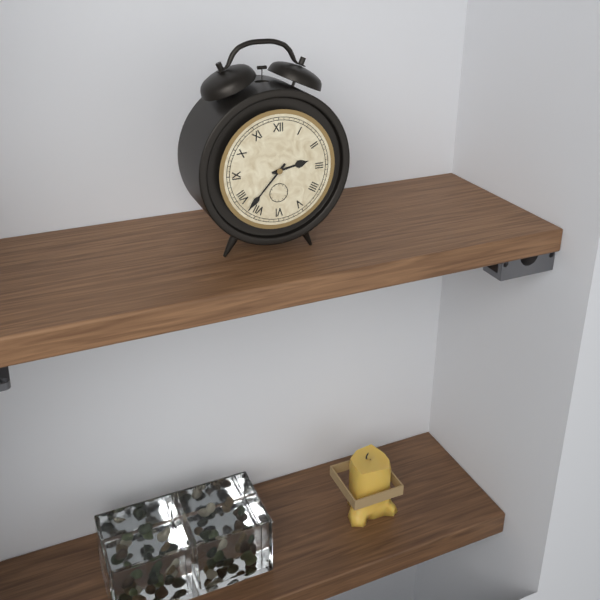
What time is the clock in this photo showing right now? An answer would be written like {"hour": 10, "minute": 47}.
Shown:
{"hour": 2, "minute": 37}
